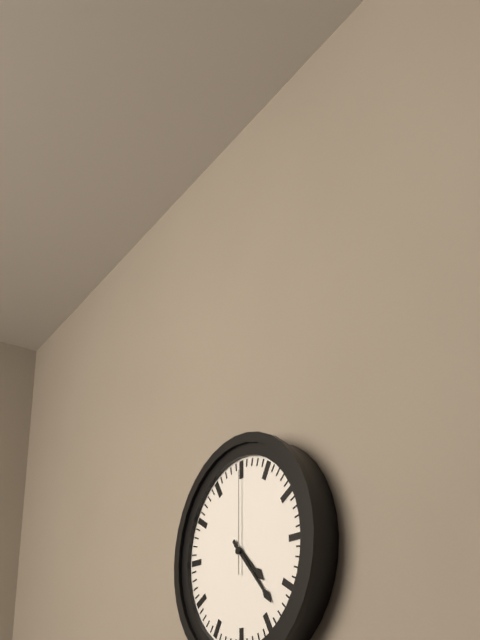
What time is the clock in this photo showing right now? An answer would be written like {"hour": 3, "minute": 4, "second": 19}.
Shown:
{"hour": 4, "minute": 23, "second": 0}
